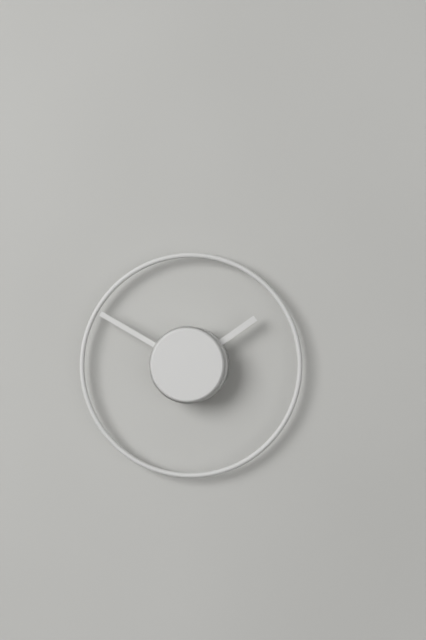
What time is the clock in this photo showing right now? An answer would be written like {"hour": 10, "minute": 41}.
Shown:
{"hour": 1, "minute": 50}
